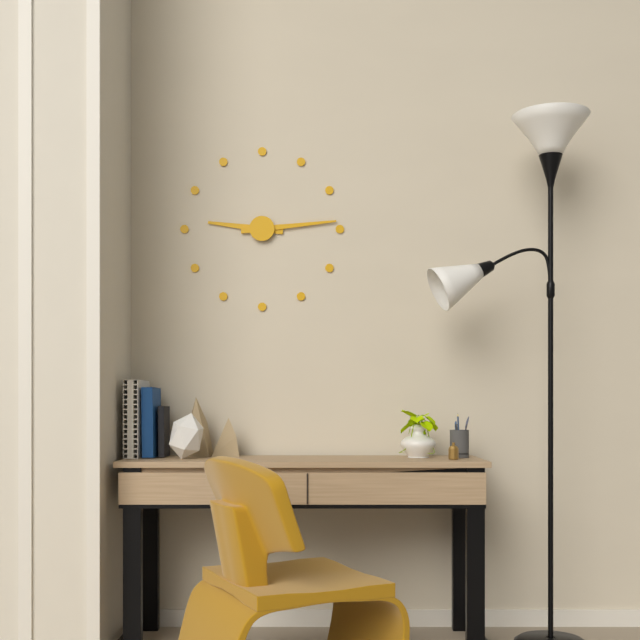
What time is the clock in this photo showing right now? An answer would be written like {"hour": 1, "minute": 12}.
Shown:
{"hour": 9, "minute": 14}
